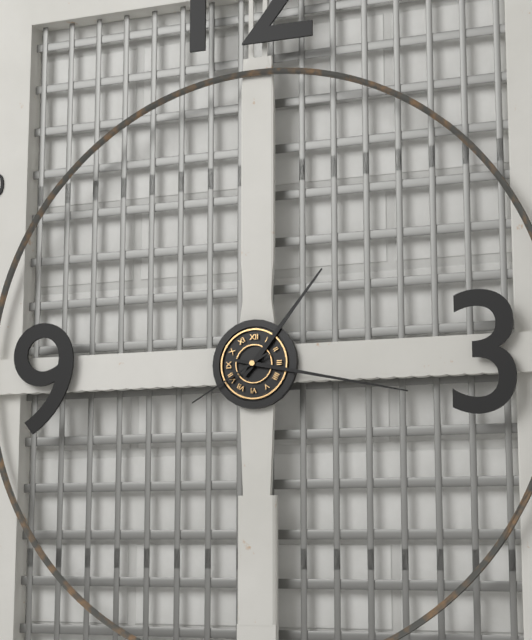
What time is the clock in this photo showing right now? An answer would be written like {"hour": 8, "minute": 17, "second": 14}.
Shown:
{"hour": 1, "minute": 17, "second": 40}
